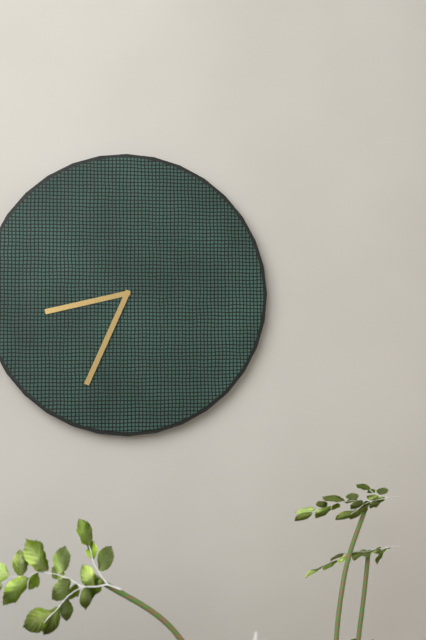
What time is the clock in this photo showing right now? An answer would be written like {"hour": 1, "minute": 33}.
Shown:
{"hour": 8, "minute": 34}
